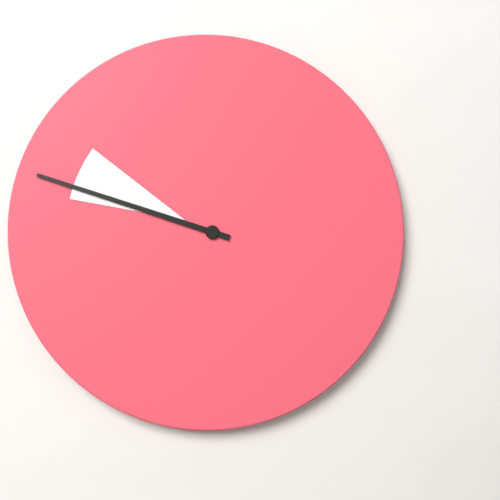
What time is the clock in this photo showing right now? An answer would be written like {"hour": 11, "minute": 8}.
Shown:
{"hour": 9, "minute": 48}
